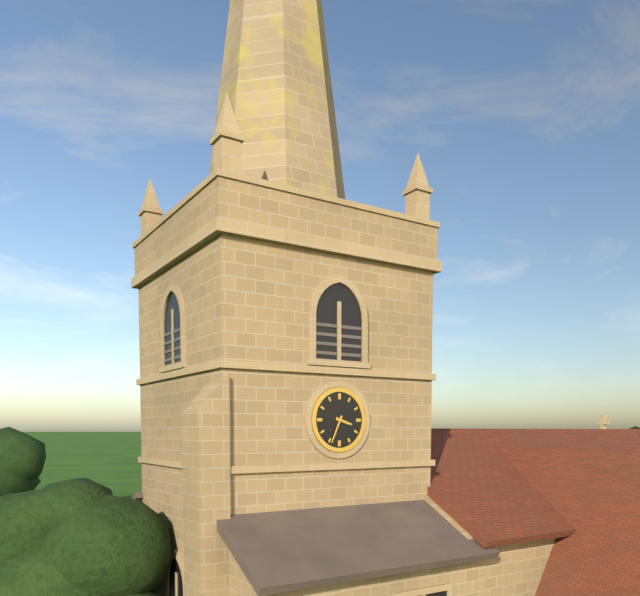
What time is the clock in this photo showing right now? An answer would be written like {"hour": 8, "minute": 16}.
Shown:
{"hour": 3, "minute": 34}
